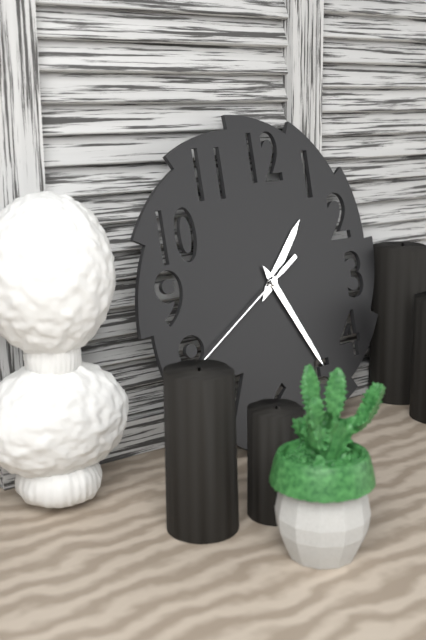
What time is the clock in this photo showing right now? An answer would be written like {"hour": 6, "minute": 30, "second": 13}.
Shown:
{"hour": 1, "minute": 25, "second": 40}
